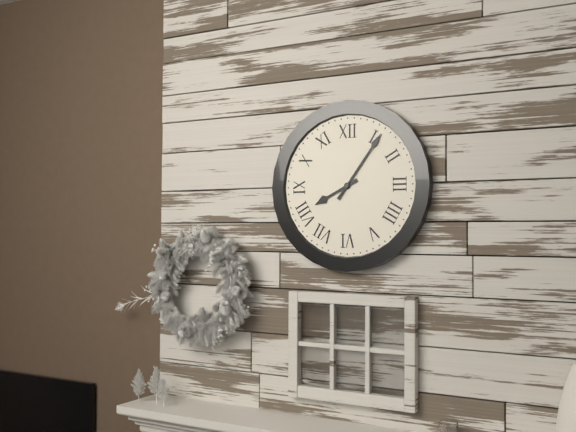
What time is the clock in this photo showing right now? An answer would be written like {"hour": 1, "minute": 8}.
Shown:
{"hour": 8, "minute": 6}
